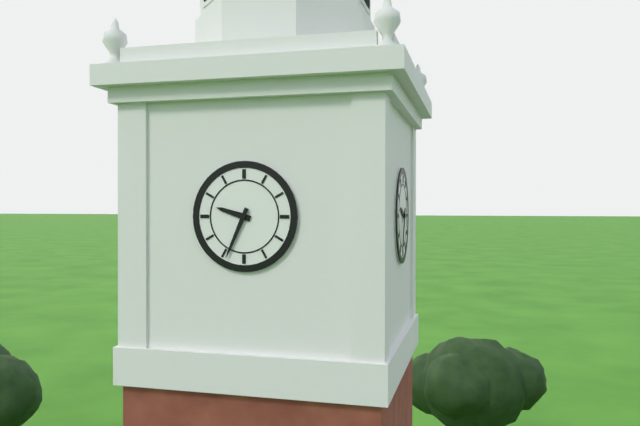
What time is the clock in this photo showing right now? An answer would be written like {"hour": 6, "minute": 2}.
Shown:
{"hour": 9, "minute": 34}
